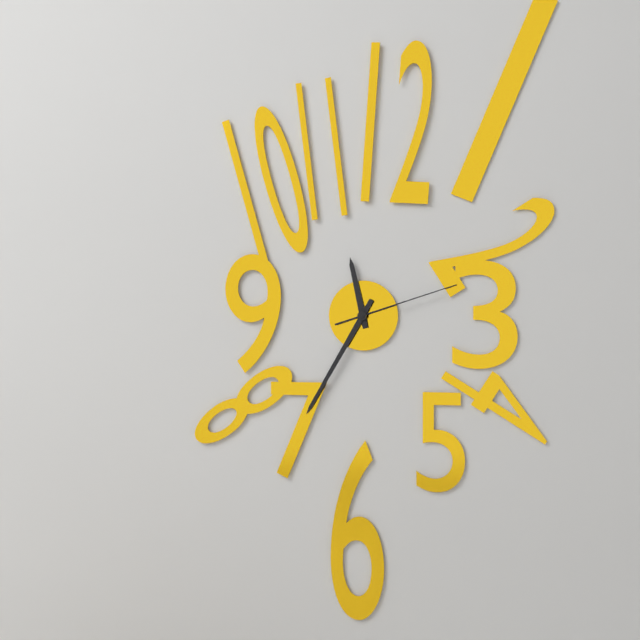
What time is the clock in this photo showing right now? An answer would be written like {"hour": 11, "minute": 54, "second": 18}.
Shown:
{"hour": 11, "minute": 35, "second": 12}
